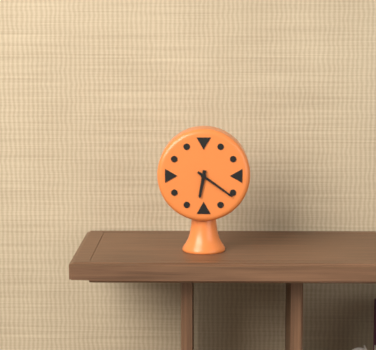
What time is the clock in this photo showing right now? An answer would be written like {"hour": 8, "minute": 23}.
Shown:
{"hour": 6, "minute": 21}
